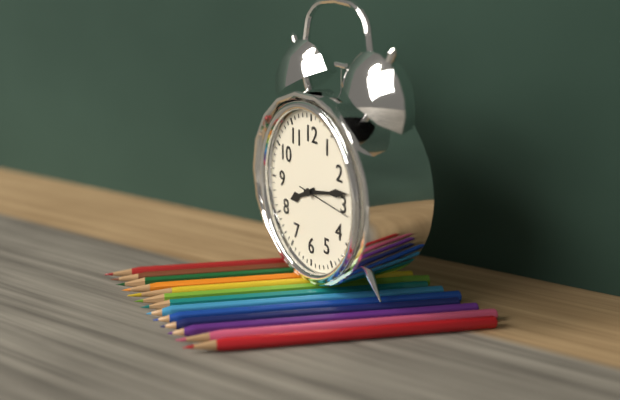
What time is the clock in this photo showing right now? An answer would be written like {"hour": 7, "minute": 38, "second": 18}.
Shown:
{"hour": 8, "minute": 13, "second": 16}
